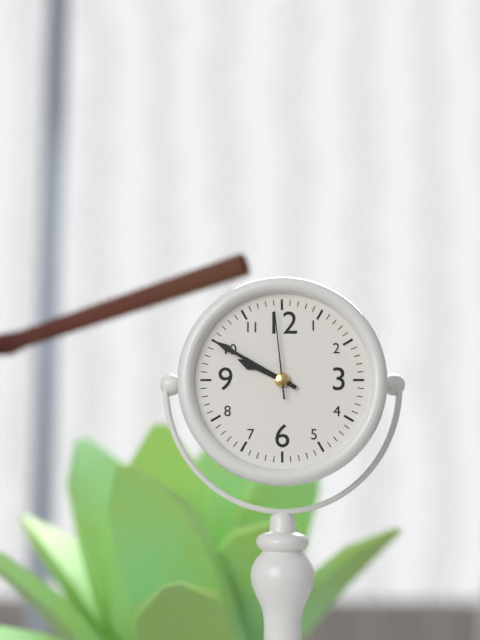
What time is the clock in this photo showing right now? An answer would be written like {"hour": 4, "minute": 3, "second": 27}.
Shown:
{"hour": 9, "minute": 50, "second": 59}
